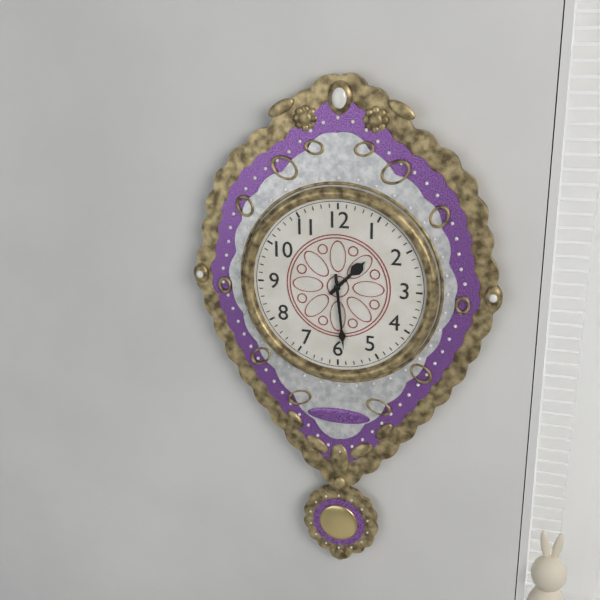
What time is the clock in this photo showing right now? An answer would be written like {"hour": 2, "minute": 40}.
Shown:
{"hour": 1, "minute": 29}
